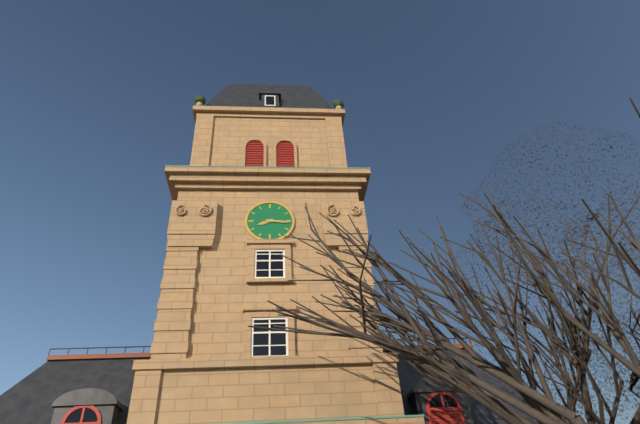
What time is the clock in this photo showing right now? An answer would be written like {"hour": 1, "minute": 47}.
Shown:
{"hour": 8, "minute": 16}
